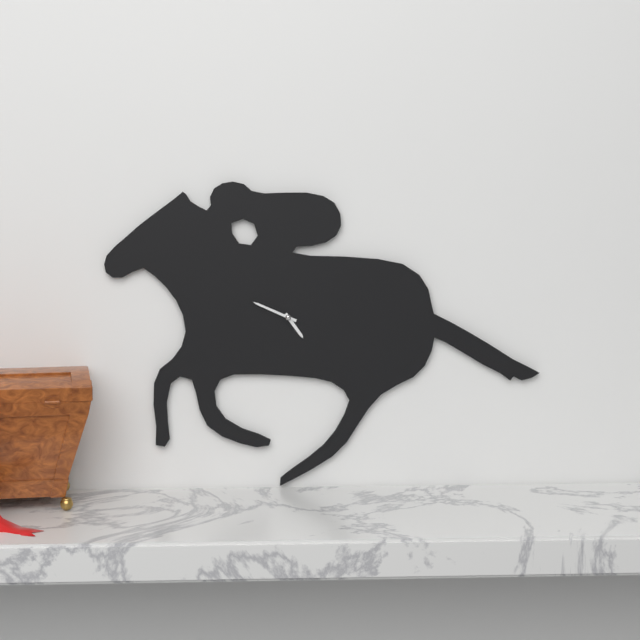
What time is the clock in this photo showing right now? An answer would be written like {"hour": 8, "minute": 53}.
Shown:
{"hour": 4, "minute": 49}
